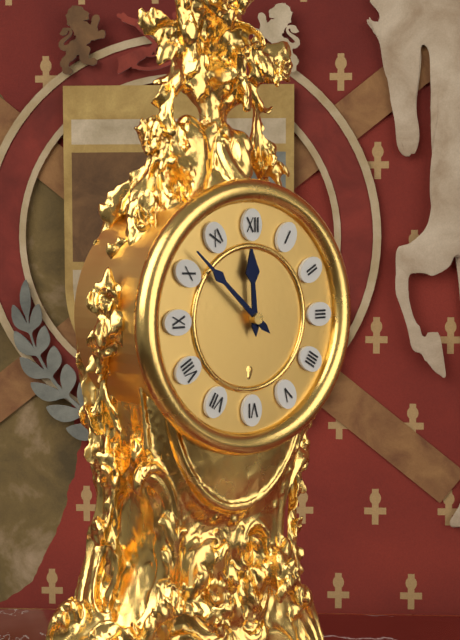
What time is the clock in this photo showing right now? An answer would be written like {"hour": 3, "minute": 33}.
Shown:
{"hour": 11, "minute": 52}
